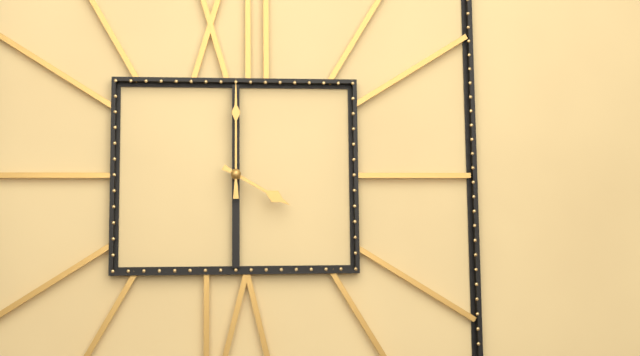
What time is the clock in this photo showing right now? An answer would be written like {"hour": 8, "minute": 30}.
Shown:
{"hour": 4, "minute": 0}
